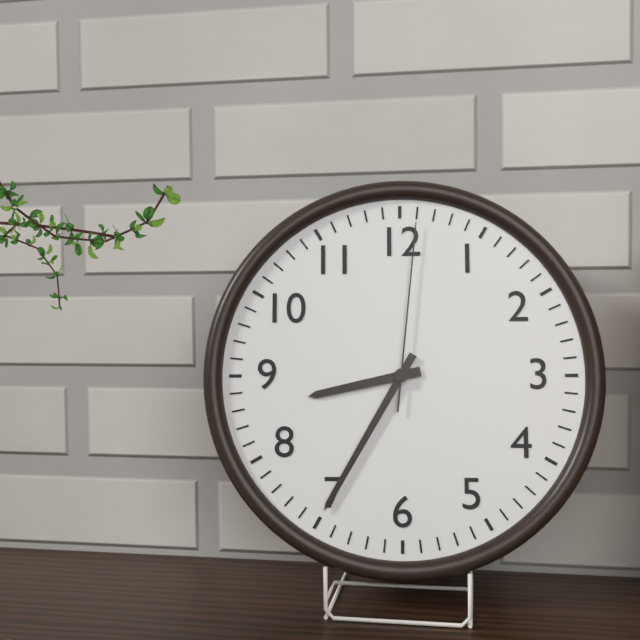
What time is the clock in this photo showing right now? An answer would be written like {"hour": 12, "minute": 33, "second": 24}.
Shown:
{"hour": 8, "minute": 35, "second": 1}
